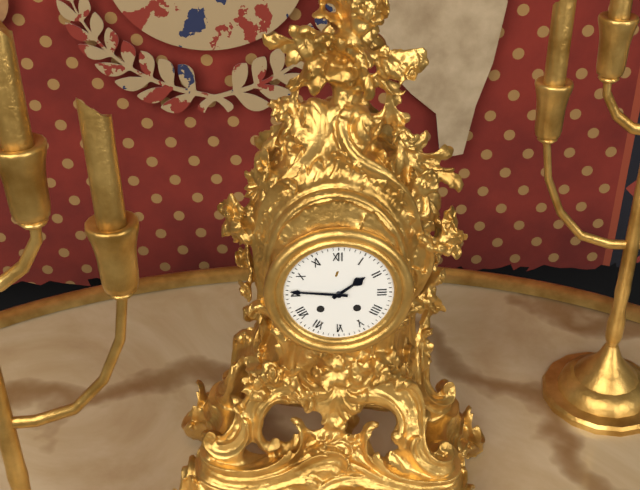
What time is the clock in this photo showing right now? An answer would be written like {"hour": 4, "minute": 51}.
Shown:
{"hour": 1, "minute": 46}
